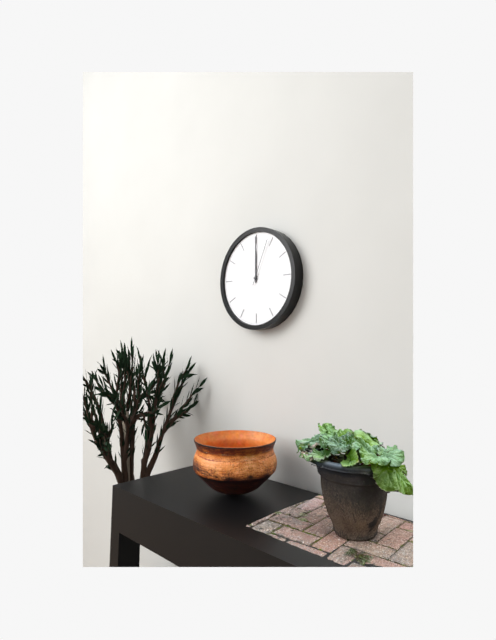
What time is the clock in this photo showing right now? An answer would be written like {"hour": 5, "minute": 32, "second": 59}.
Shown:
{"hour": 12, "minute": 0, "second": 4}
